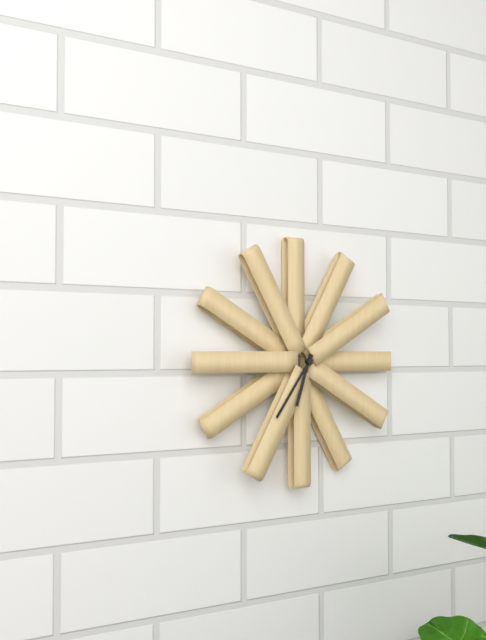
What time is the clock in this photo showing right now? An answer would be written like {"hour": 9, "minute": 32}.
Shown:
{"hour": 6, "minute": 36}
